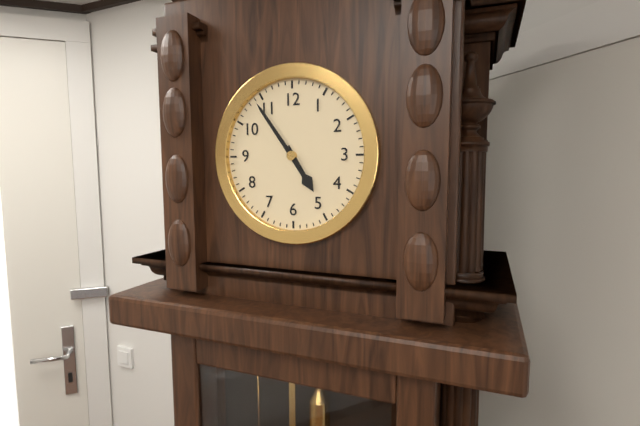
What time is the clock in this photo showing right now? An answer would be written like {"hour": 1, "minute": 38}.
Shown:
{"hour": 4, "minute": 54}
